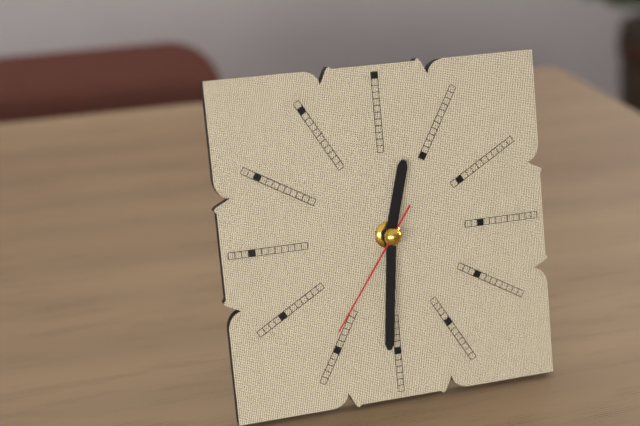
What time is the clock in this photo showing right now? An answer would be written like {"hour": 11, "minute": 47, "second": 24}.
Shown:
{"hour": 12, "minute": 31, "second": 36}
